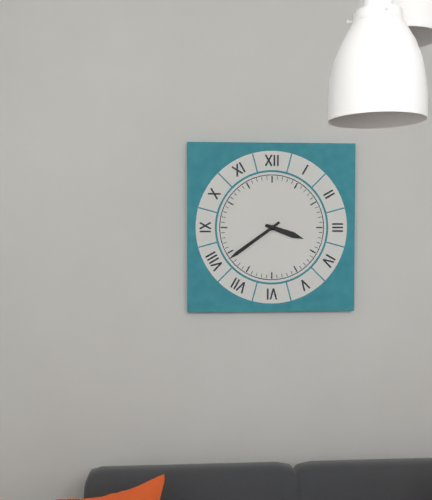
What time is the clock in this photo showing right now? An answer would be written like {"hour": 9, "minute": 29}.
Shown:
{"hour": 3, "minute": 39}
